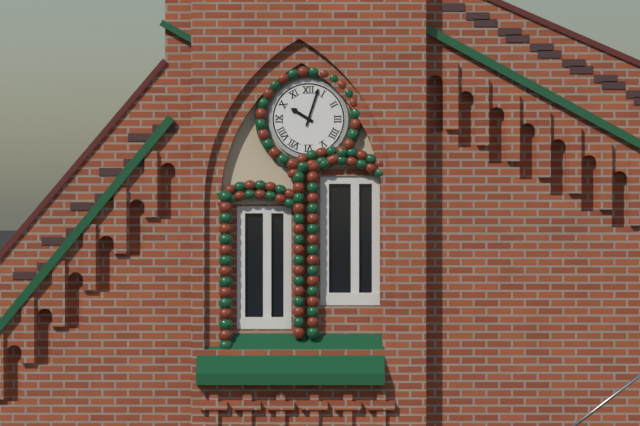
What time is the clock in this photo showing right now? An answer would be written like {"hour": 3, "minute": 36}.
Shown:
{"hour": 10, "minute": 3}
